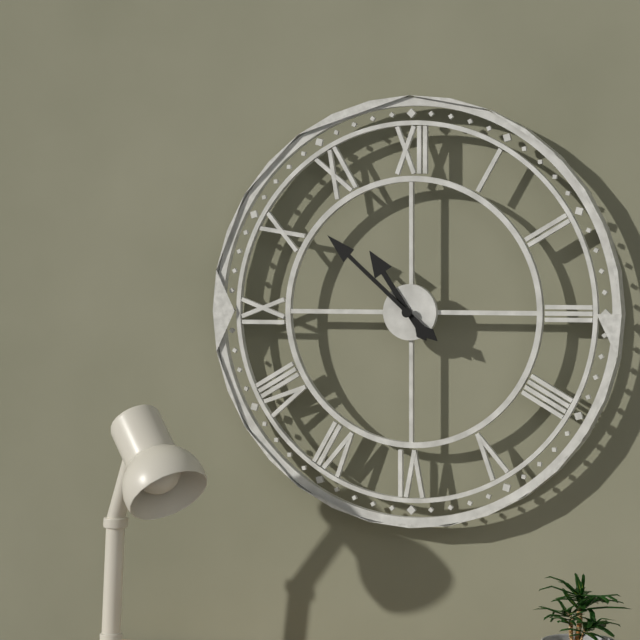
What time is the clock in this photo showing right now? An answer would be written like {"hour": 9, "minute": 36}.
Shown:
{"hour": 10, "minute": 52}
